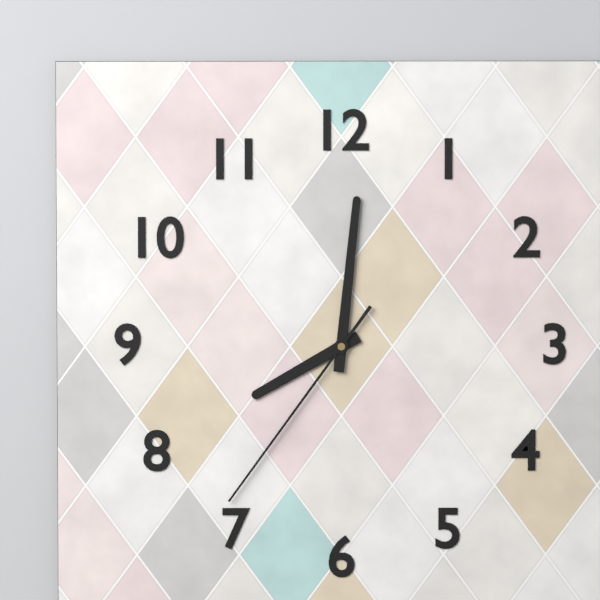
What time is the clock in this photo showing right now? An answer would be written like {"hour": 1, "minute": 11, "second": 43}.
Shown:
{"hour": 8, "minute": 1, "second": 36}
